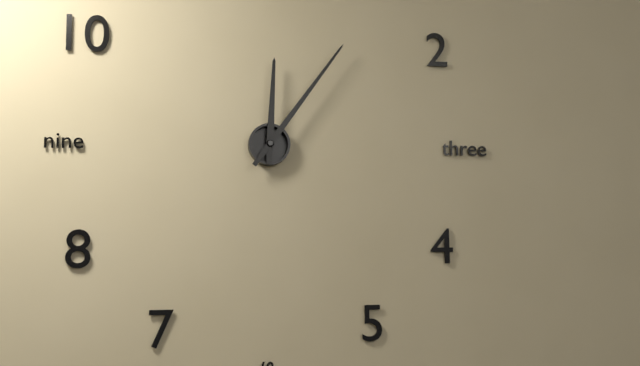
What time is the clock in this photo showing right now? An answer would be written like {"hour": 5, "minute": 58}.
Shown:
{"hour": 12, "minute": 6}
